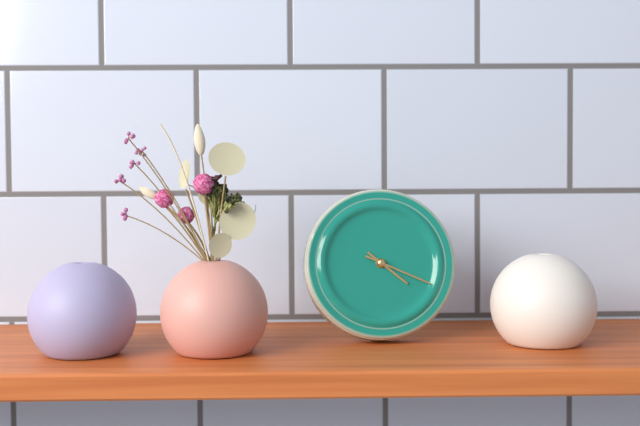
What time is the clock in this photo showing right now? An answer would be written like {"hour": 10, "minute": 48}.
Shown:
{"hour": 4, "minute": 19}
